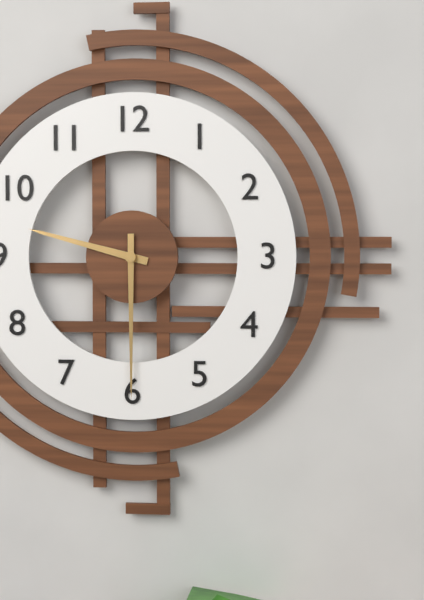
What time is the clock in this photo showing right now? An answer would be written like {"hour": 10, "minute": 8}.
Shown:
{"hour": 9, "minute": 30}
